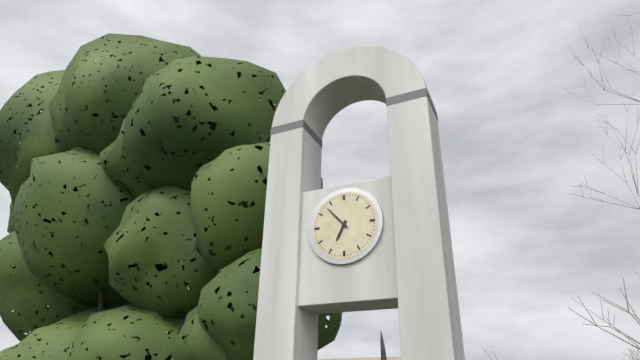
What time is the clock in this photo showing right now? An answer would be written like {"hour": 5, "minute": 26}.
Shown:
{"hour": 6, "minute": 53}
